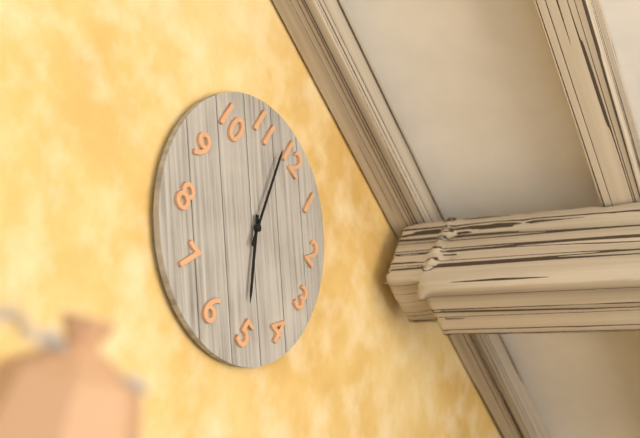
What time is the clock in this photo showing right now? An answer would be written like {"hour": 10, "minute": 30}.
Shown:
{"hour": 4, "minute": 58}
